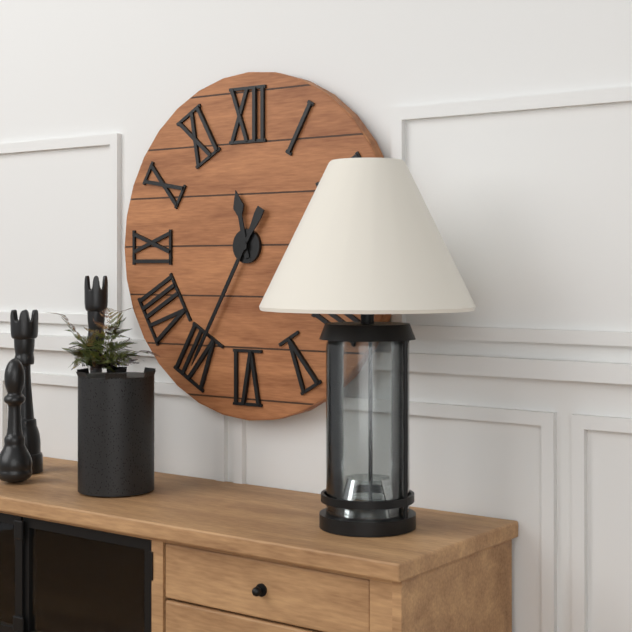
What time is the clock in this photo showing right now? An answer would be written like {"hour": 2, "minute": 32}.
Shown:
{"hour": 11, "minute": 35}
